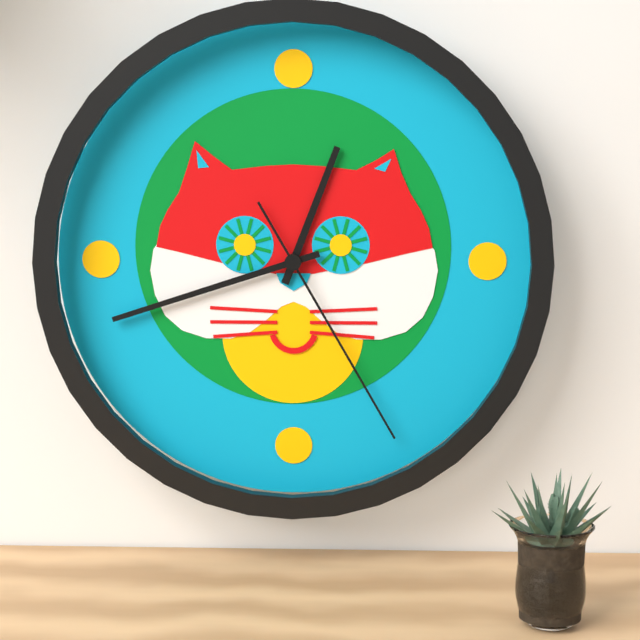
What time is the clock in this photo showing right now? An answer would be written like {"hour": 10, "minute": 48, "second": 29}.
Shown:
{"hour": 12, "minute": 42, "second": 25}
